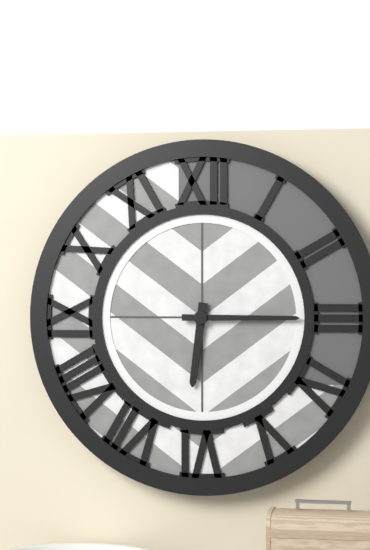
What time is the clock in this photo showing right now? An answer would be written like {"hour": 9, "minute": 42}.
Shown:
{"hour": 6, "minute": 15}
